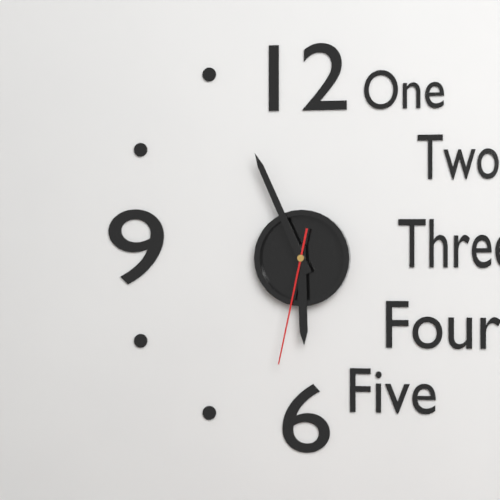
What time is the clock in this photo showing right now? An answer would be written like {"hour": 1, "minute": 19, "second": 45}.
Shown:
{"hour": 5, "minute": 56, "second": 32}
